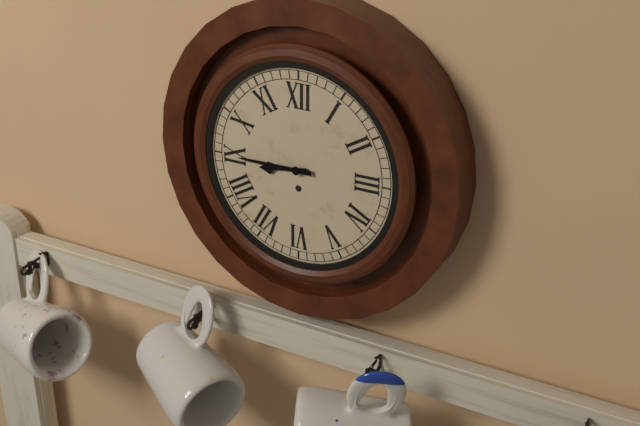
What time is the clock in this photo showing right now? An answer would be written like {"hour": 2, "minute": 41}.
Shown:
{"hour": 8, "minute": 45}
